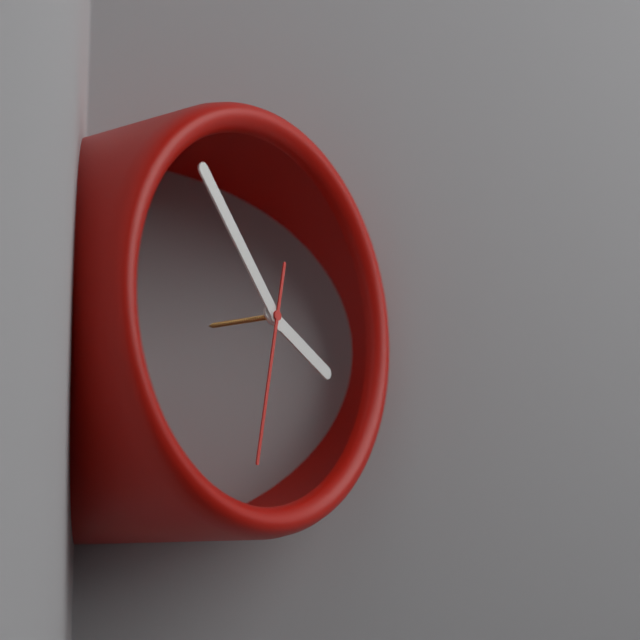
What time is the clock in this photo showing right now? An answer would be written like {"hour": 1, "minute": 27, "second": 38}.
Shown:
{"hour": 3, "minute": 53, "second": 32}
